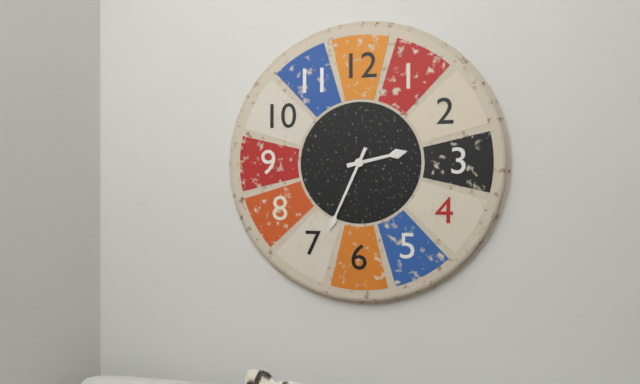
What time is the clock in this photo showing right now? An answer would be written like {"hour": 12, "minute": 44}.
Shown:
{"hour": 2, "minute": 34}
